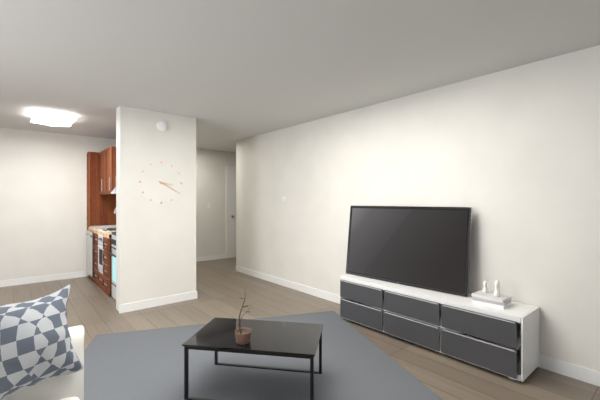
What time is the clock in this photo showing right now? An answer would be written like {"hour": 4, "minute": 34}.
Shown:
{"hour": 3, "minute": 20}
